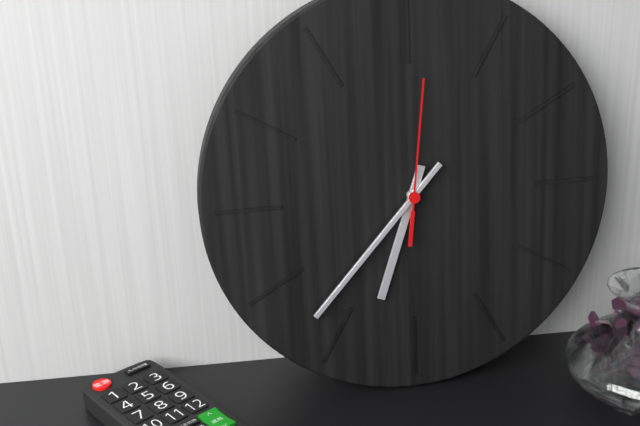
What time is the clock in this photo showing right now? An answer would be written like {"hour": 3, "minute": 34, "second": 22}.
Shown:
{"hour": 6, "minute": 37, "second": 1}
